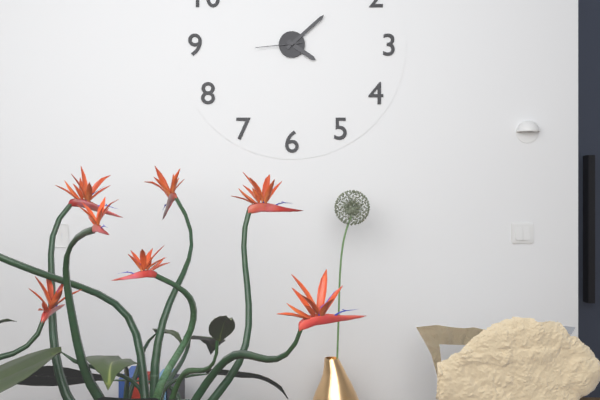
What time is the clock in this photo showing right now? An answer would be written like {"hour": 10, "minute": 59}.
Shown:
{"hour": 4, "minute": 8}
